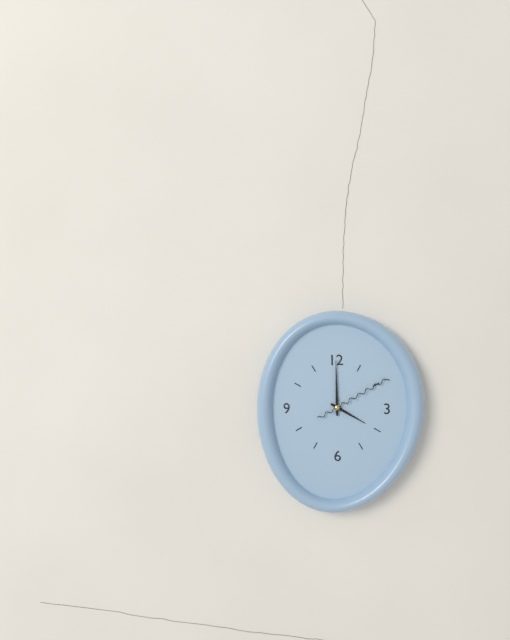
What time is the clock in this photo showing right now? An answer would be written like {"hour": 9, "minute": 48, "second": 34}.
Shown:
{"hour": 4, "minute": 0, "second": 10}
